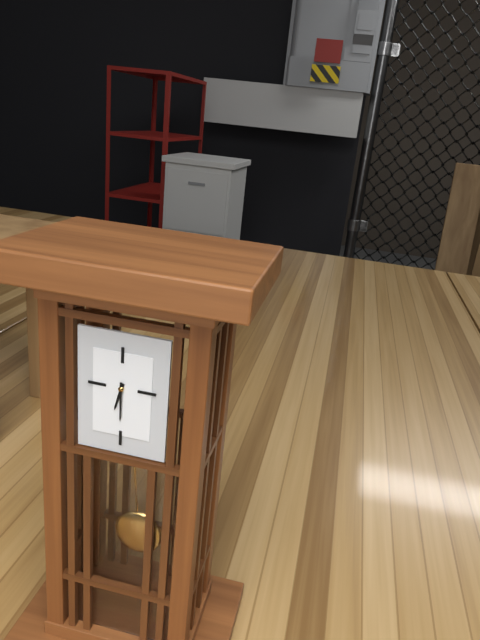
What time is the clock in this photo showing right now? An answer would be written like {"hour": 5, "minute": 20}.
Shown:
{"hour": 6, "minute": 30}
